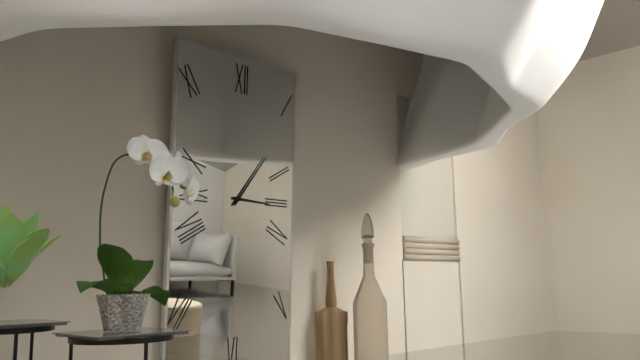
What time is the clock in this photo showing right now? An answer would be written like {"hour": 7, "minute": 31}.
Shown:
{"hour": 3, "minute": 6}
